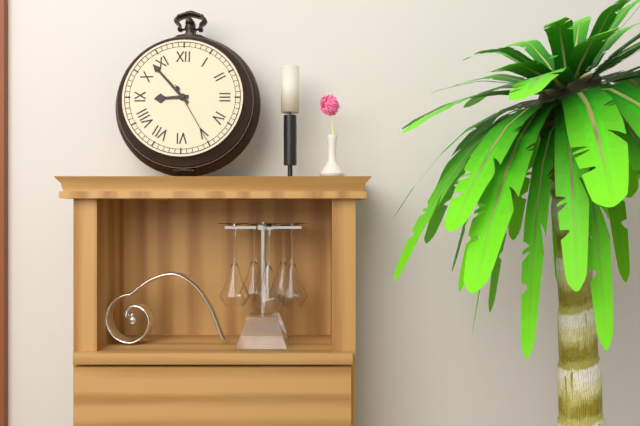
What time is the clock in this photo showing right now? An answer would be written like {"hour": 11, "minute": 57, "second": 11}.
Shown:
{"hour": 8, "minute": 53, "second": 25}
